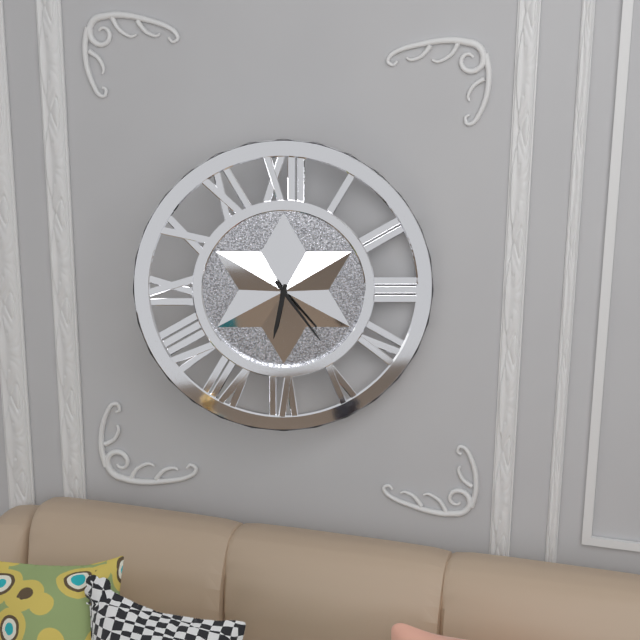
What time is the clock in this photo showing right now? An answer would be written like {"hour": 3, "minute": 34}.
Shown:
{"hour": 6, "minute": 24}
